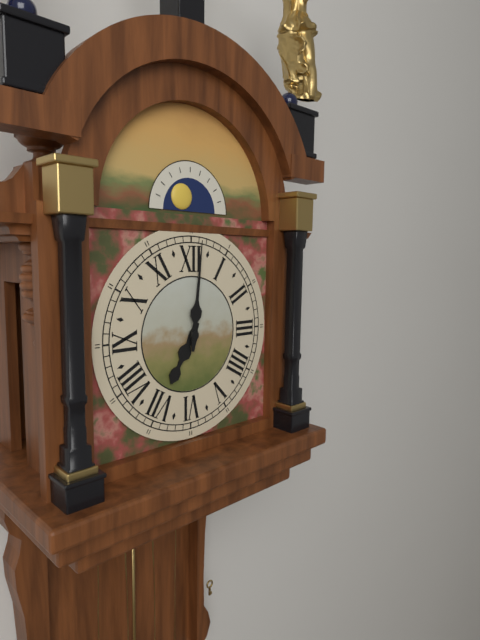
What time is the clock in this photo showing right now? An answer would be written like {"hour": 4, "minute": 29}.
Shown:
{"hour": 7, "minute": 1}
